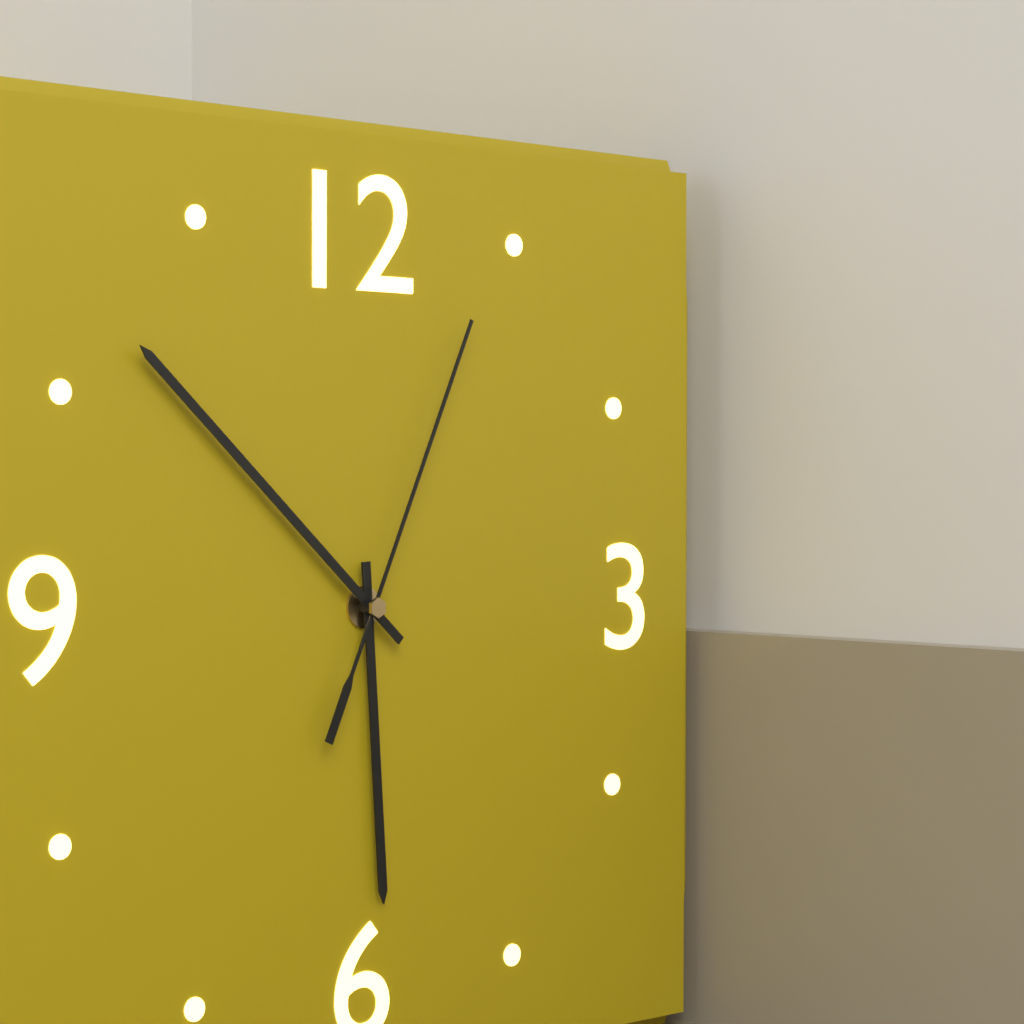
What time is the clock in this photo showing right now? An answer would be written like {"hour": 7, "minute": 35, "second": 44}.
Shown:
{"hour": 5, "minute": 52, "second": 4}
